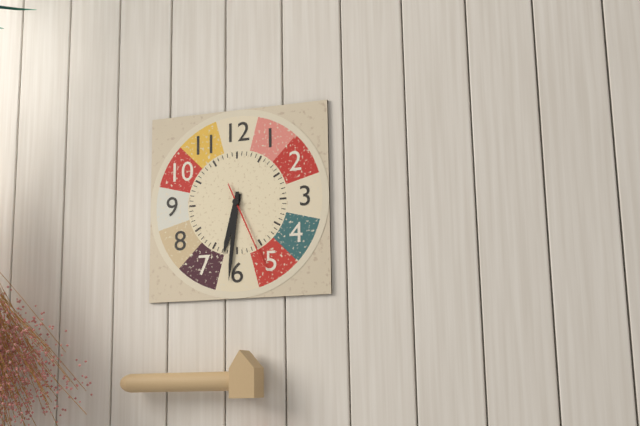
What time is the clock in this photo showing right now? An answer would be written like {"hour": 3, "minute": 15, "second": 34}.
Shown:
{"hour": 6, "minute": 31, "second": 26}
